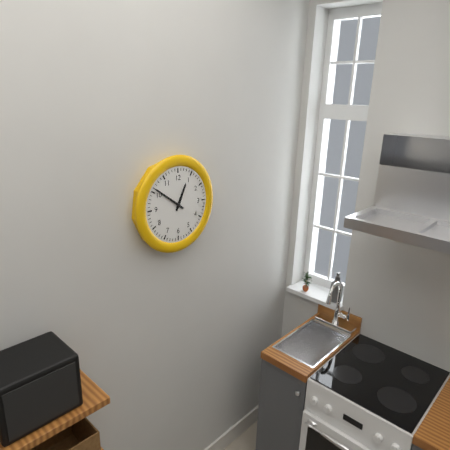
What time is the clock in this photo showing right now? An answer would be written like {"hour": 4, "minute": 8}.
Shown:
{"hour": 12, "minute": 51}
